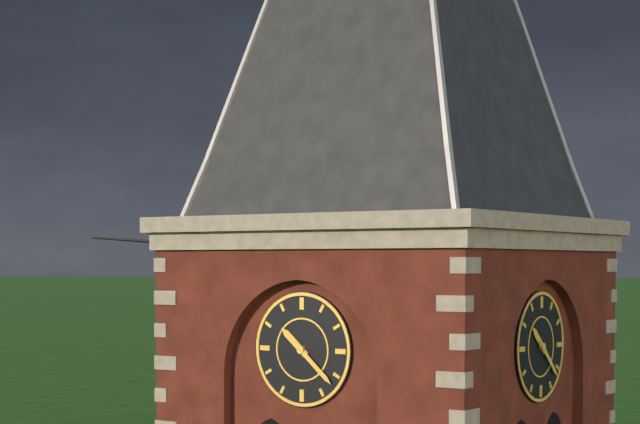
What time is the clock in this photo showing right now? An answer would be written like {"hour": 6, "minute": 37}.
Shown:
{"hour": 10, "minute": 22}
